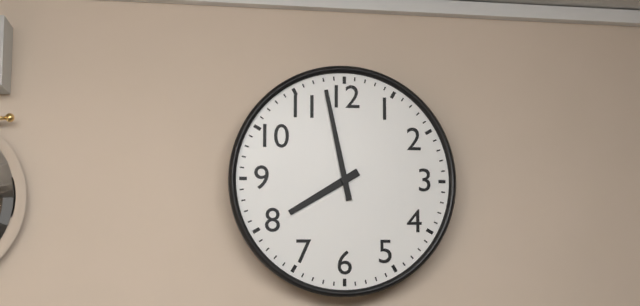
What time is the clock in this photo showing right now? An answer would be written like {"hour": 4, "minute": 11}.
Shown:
{"hour": 7, "minute": 58}
